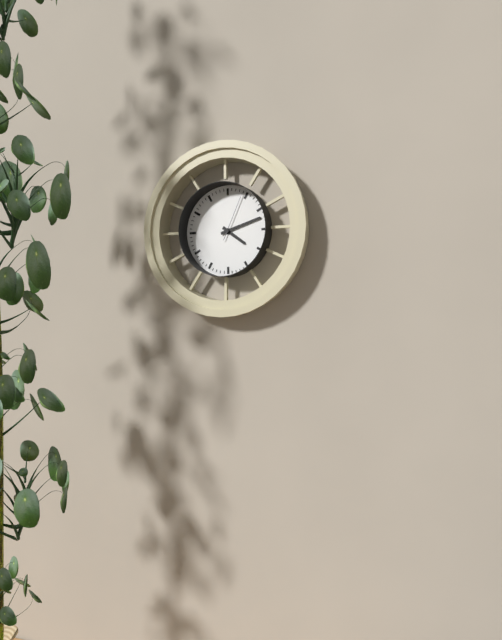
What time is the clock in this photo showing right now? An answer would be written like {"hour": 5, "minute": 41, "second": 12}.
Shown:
{"hour": 4, "minute": 12, "second": 4}
